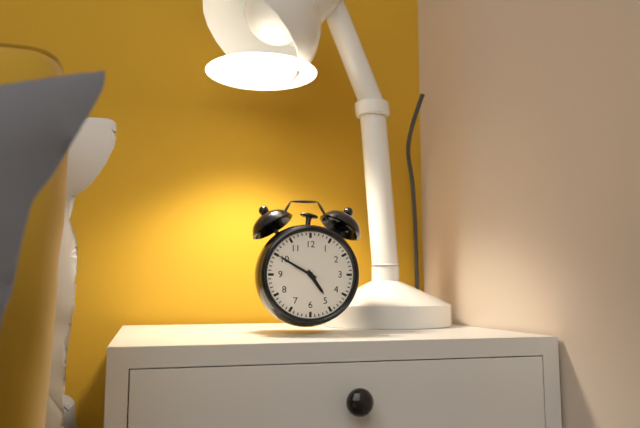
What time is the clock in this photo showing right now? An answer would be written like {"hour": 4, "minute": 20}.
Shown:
{"hour": 4, "minute": 50}
